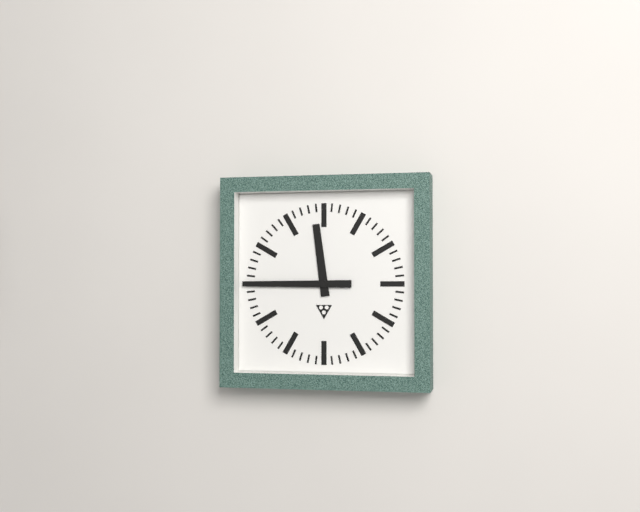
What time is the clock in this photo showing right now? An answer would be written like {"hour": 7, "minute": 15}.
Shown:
{"hour": 11, "minute": 45}
